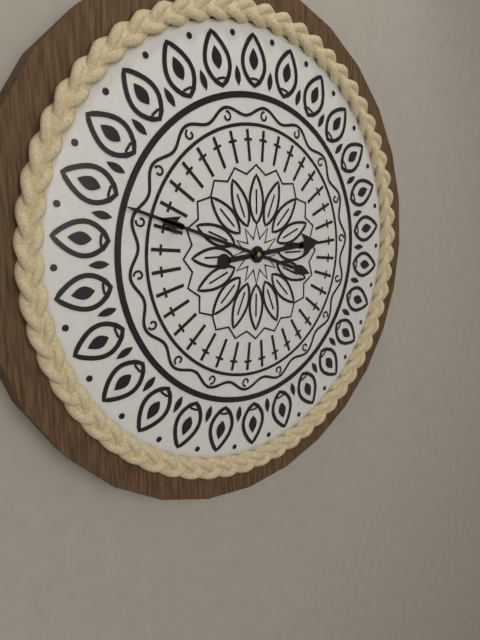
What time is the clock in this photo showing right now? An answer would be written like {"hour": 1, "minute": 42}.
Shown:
{"hour": 2, "minute": 48}
